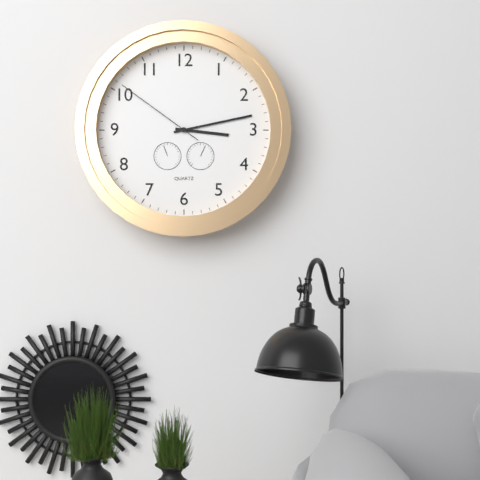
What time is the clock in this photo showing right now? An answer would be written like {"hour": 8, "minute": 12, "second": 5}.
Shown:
{"hour": 3, "minute": 13, "second": 51}
